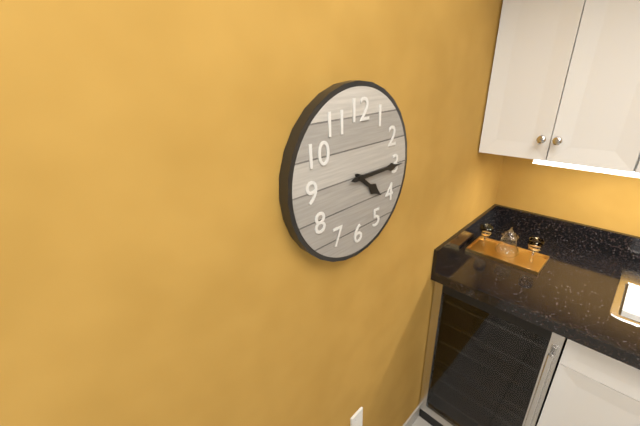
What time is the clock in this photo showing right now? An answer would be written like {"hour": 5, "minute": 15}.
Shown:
{"hour": 4, "minute": 15}
